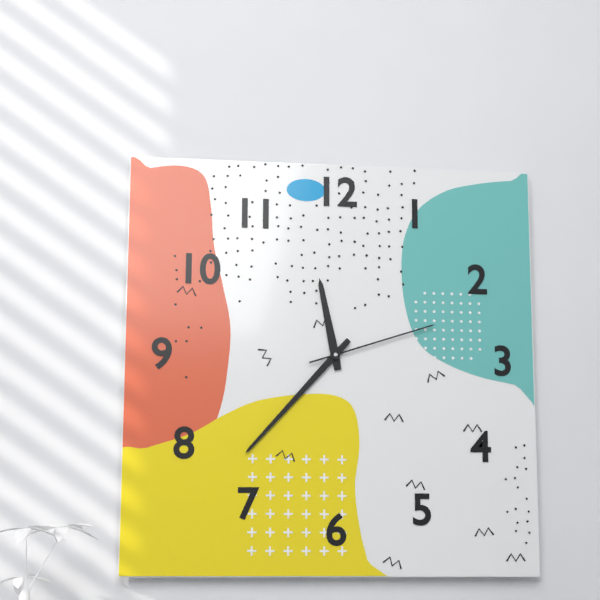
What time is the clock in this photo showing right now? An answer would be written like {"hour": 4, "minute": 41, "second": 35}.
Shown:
{"hour": 11, "minute": 37, "second": 12}
